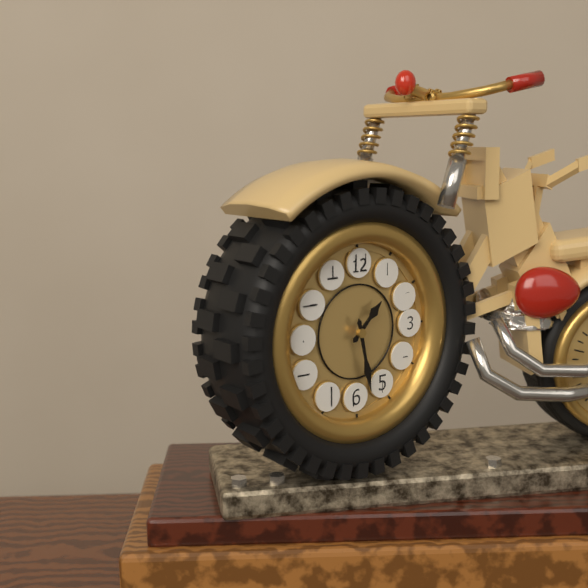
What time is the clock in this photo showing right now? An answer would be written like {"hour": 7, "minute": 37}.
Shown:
{"hour": 1, "minute": 28}
